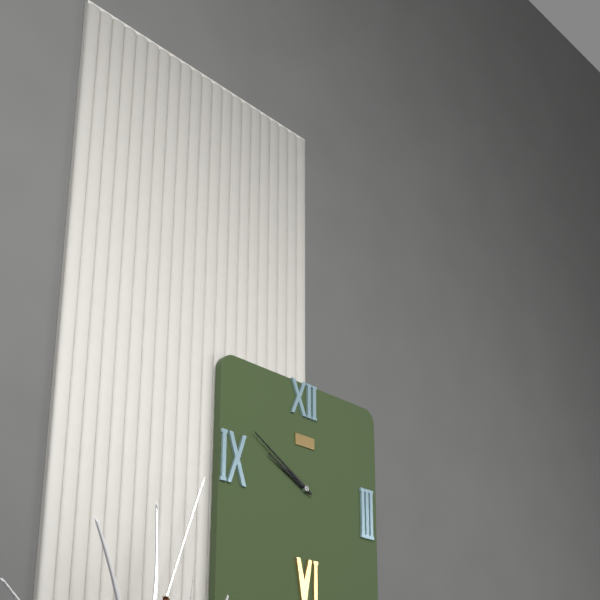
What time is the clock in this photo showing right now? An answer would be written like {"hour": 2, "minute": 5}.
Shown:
{"hour": 9, "minute": 50}
